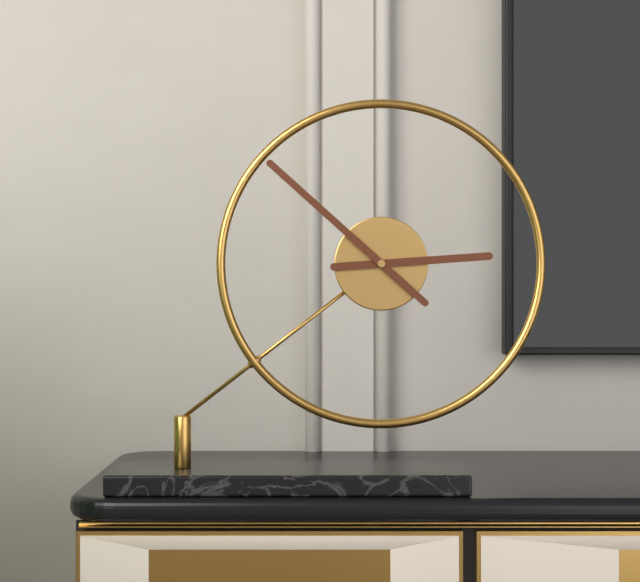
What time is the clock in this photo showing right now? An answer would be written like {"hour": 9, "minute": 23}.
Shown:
{"hour": 2, "minute": 52}
